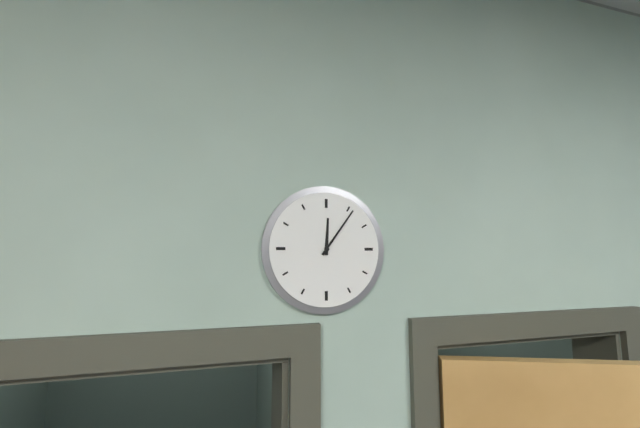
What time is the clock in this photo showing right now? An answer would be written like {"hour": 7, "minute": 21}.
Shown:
{"hour": 12, "minute": 6}
